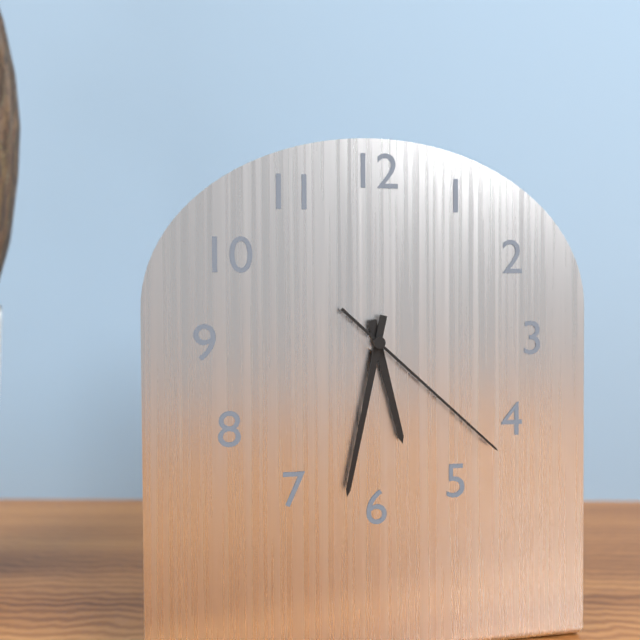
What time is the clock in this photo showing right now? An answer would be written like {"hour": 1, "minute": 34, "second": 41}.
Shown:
{"hour": 5, "minute": 32, "second": 22}
